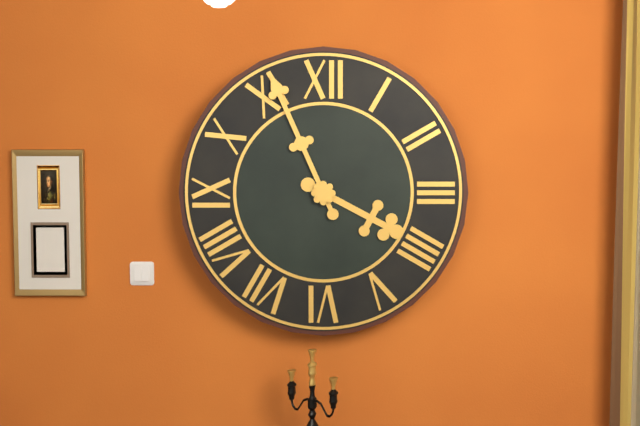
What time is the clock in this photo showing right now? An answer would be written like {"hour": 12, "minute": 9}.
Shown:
{"hour": 3, "minute": 56}
